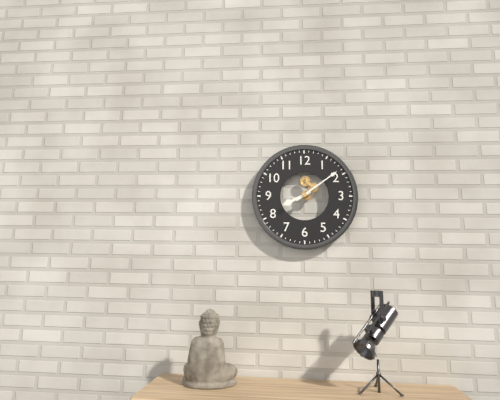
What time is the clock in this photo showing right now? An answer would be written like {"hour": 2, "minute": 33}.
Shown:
{"hour": 8, "minute": 9}
